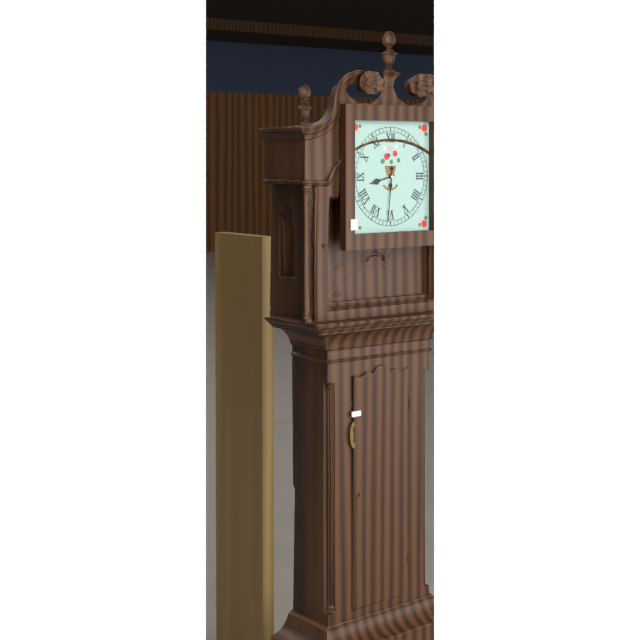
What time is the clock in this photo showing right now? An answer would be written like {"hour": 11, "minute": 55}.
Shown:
{"hour": 8, "minute": 31}
